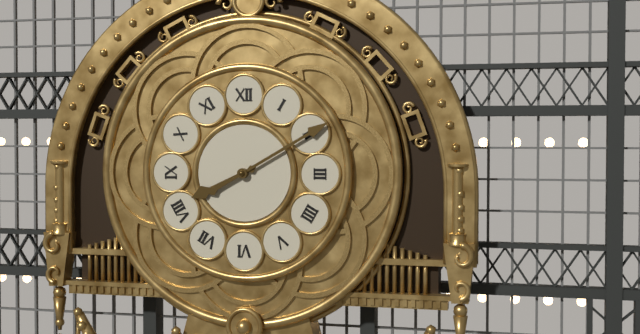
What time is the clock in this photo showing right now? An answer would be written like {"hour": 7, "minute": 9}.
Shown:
{"hour": 8, "minute": 10}
